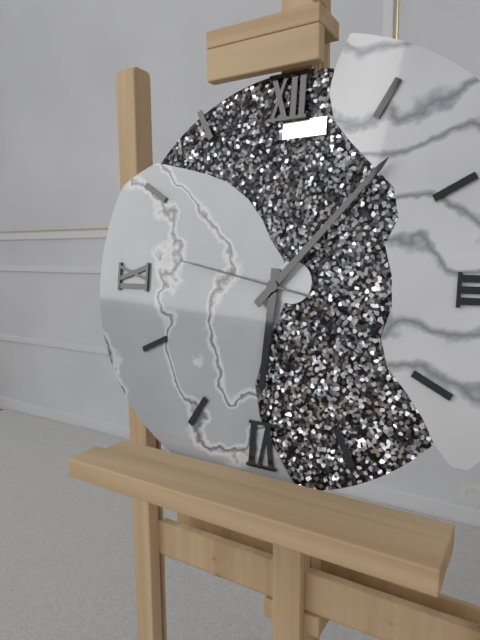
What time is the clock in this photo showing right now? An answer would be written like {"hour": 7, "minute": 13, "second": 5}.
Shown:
{"hour": 6, "minute": 7, "second": 47}
